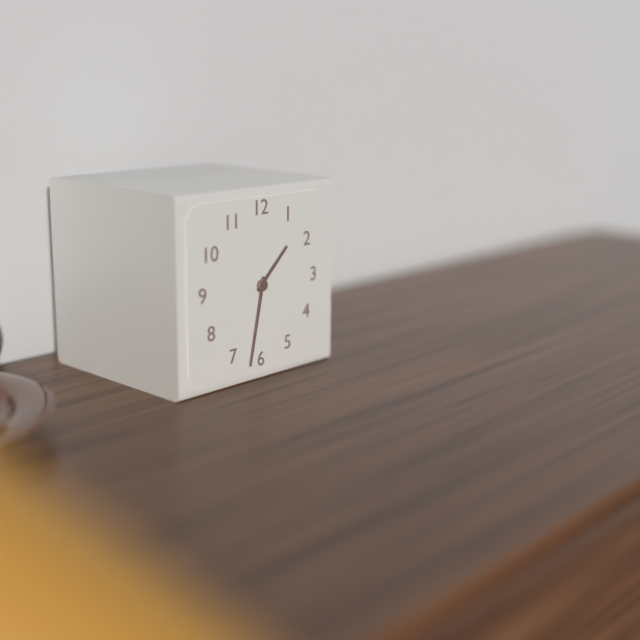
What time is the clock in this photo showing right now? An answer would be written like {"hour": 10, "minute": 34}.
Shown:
{"hour": 1, "minute": 32}
